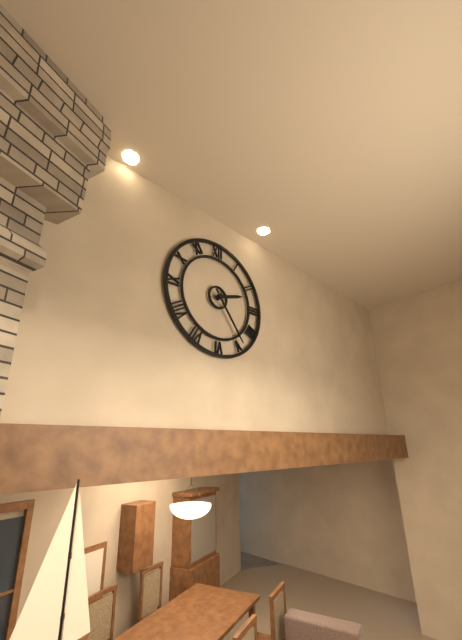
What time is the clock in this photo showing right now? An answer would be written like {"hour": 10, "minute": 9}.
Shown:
{"hour": 2, "minute": 24}
